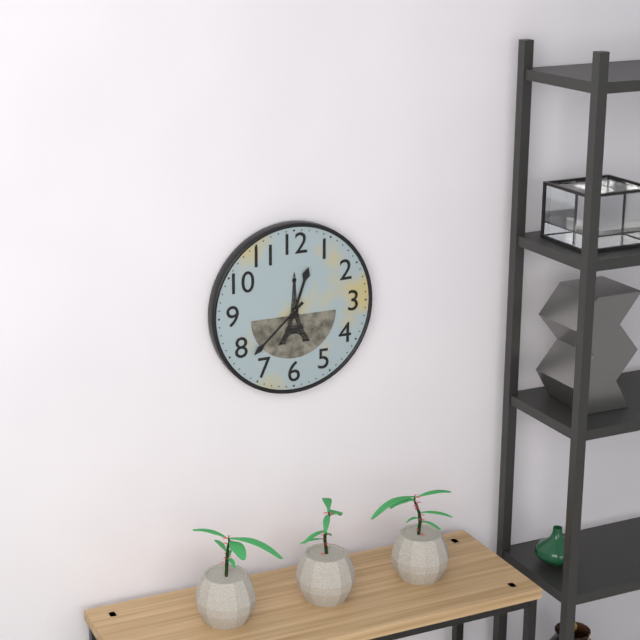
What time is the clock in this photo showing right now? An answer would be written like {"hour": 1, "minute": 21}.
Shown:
{"hour": 12, "minute": 38}
